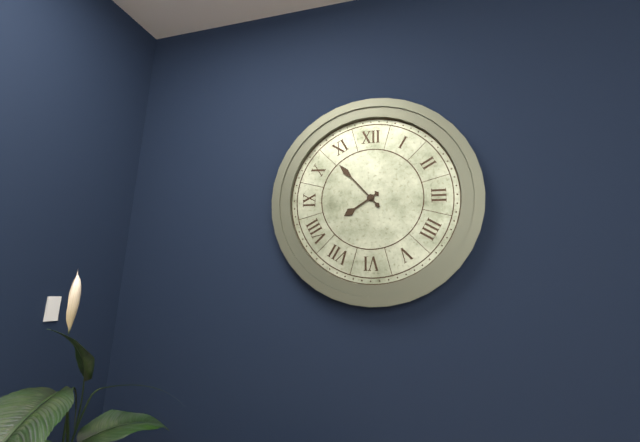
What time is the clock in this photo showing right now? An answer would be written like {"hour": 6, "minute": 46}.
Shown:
{"hour": 7, "minute": 53}
